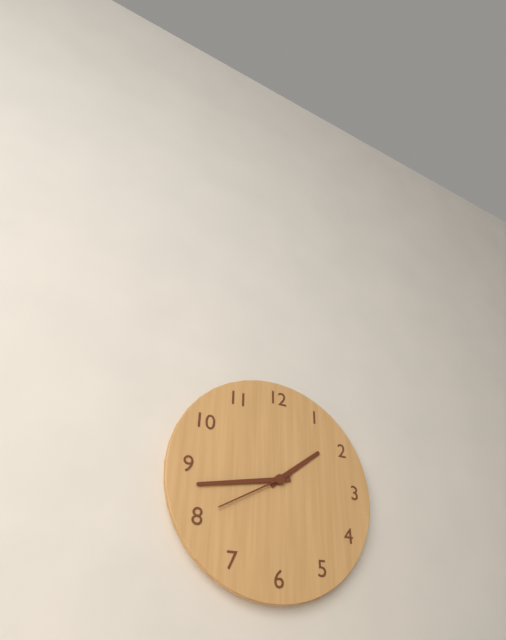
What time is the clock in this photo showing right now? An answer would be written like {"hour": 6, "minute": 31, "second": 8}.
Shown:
{"hour": 1, "minute": 43, "second": 40}
